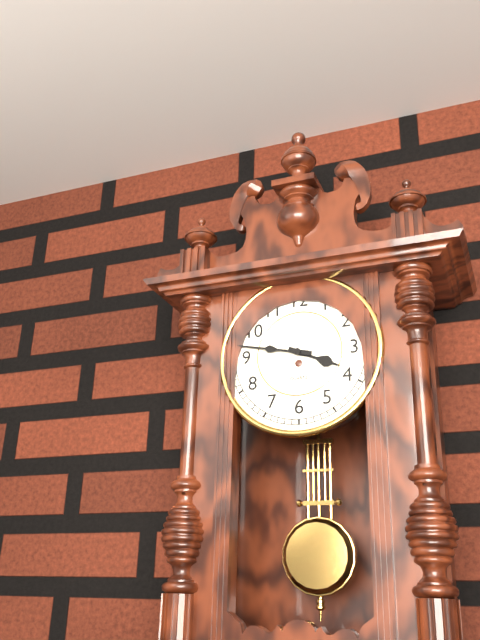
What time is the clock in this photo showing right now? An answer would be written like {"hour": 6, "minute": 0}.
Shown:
{"hour": 3, "minute": 47}
